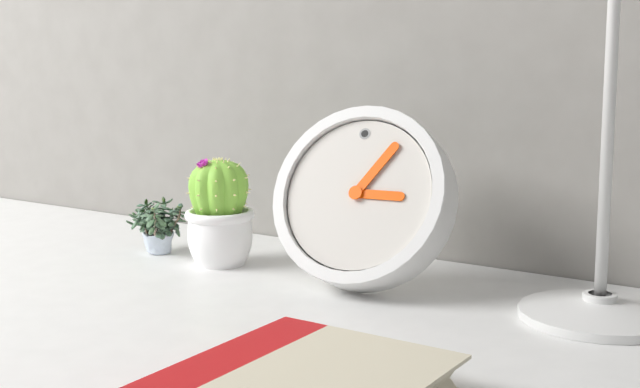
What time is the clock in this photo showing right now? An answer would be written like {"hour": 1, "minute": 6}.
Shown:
{"hour": 3, "minute": 6}
